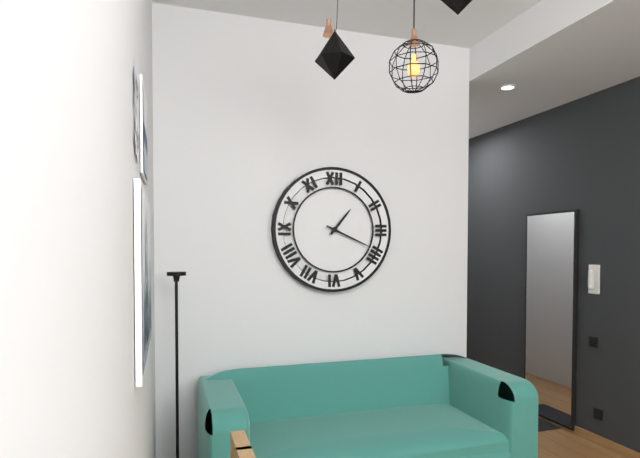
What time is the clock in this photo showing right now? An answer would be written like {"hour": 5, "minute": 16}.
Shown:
{"hour": 1, "minute": 19}
